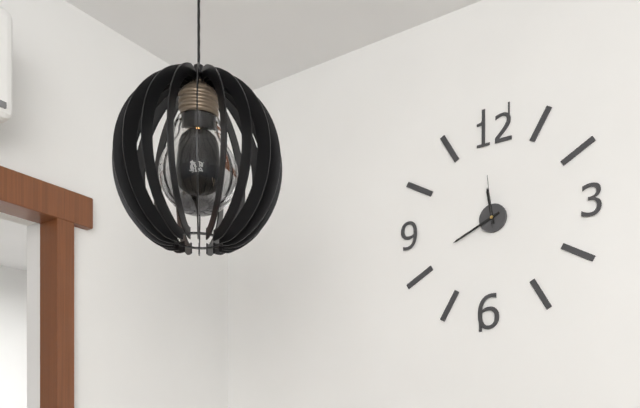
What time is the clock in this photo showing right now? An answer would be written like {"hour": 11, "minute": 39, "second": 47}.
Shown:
{"hour": 11, "minute": 41, "second": 59}
